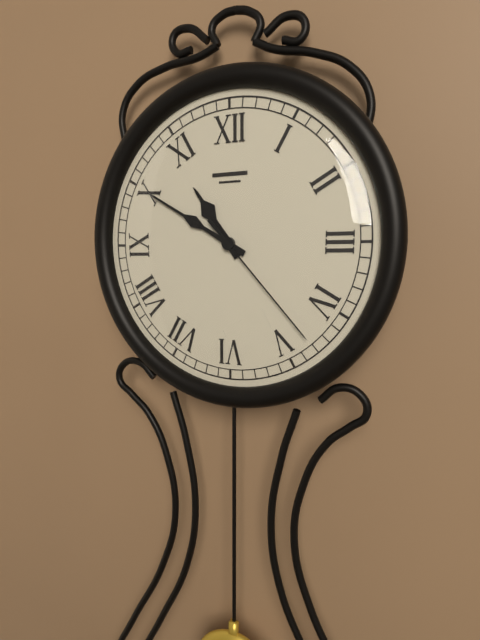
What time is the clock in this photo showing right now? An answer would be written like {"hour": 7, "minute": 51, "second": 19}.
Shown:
{"hour": 10, "minute": 50, "second": 23}
